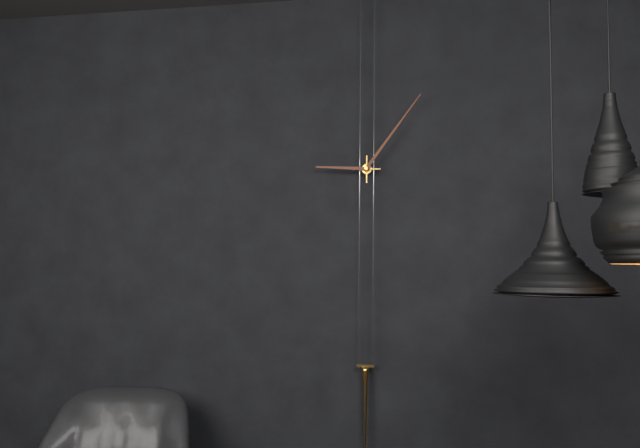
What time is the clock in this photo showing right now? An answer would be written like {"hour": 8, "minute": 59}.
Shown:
{"hour": 9, "minute": 6}
